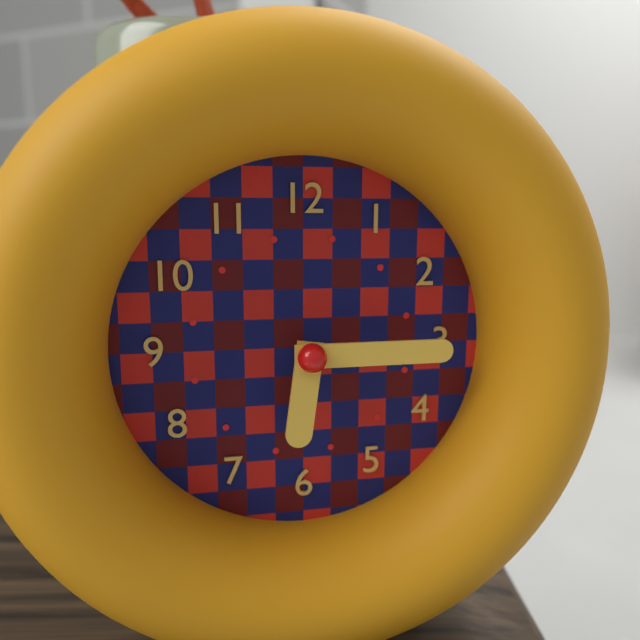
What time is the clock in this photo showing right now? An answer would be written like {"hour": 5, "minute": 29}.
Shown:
{"hour": 6, "minute": 15}
